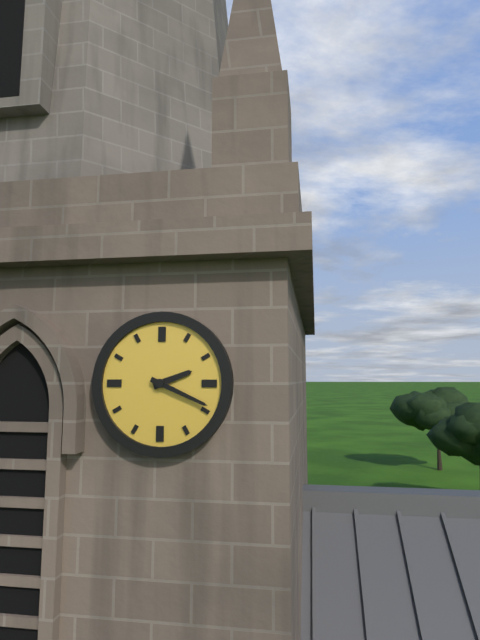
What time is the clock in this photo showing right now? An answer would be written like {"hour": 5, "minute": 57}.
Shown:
{"hour": 2, "minute": 19}
